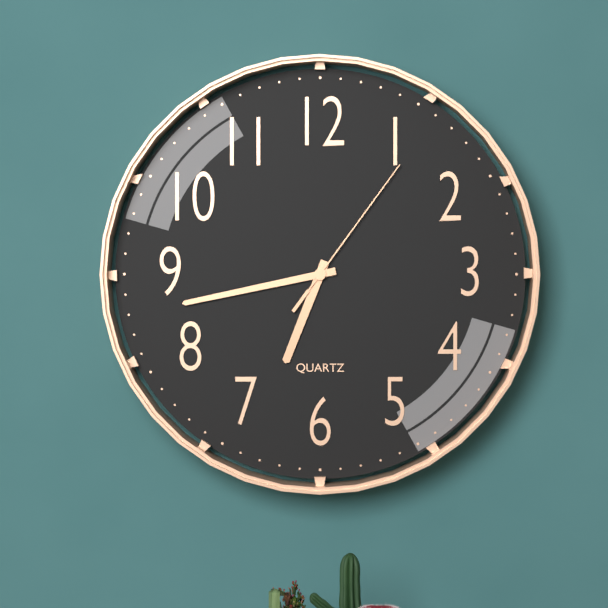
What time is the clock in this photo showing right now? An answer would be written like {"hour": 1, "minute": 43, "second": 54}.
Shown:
{"hour": 6, "minute": 43, "second": 6}
